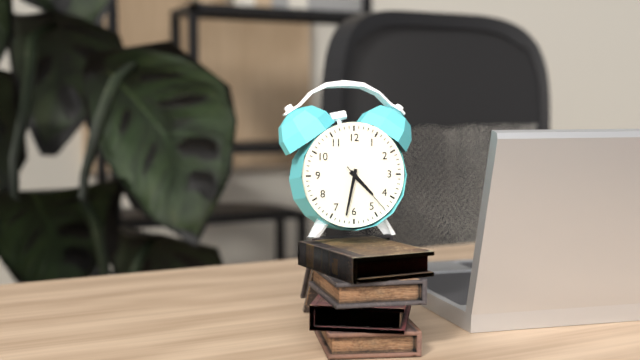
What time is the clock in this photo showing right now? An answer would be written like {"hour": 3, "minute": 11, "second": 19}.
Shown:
{"hour": 4, "minute": 32, "second": 23}
